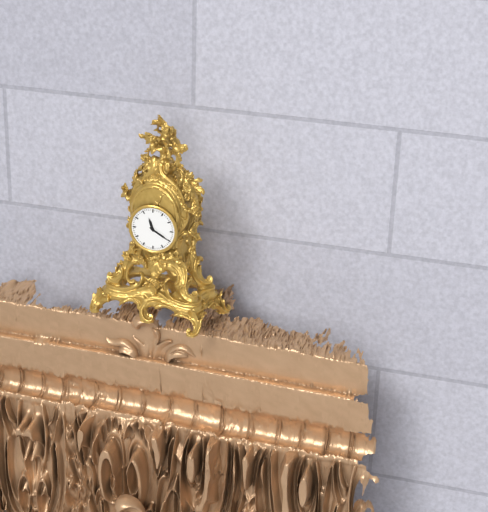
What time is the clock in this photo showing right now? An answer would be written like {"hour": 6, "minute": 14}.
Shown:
{"hour": 11, "minute": 20}
